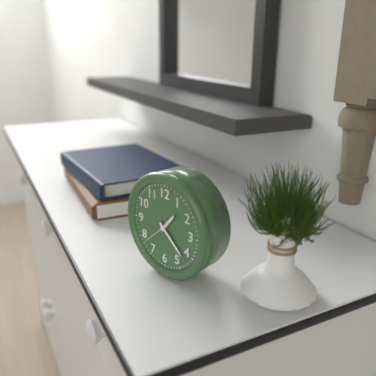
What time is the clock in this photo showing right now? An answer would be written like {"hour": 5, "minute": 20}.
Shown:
{"hour": 1, "minute": 22}
